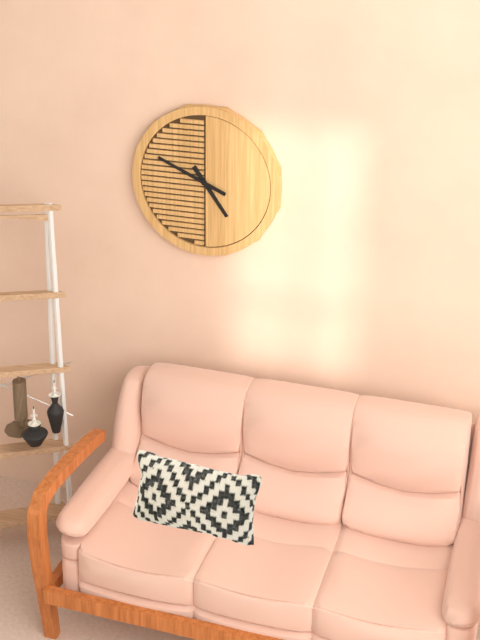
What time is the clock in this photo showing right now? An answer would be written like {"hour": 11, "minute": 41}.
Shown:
{"hour": 4, "minute": 49}
